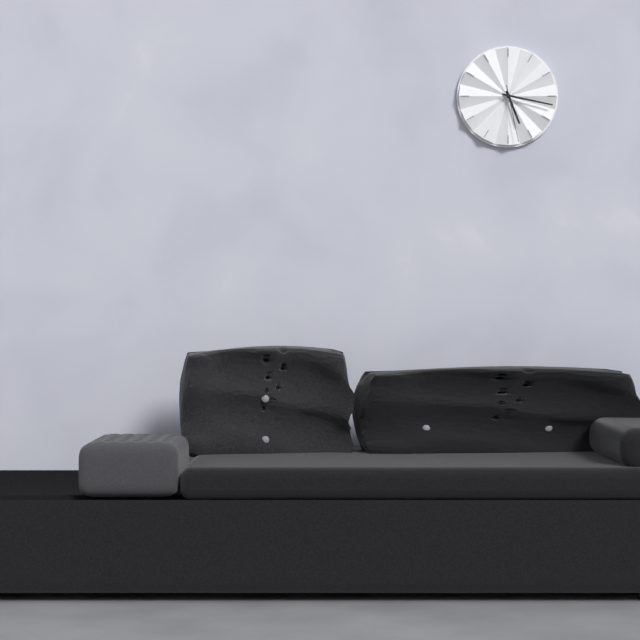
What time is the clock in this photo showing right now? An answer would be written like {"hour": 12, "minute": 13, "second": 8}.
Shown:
{"hour": 5, "minute": 17, "second": 28}
